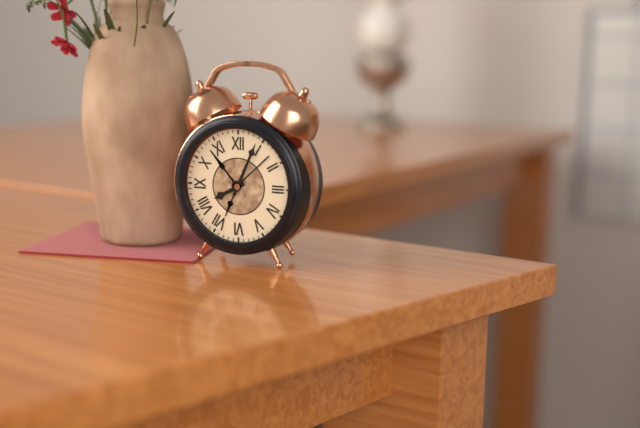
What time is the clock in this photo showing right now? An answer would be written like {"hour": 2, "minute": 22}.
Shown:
{"hour": 8, "minute": 4}
